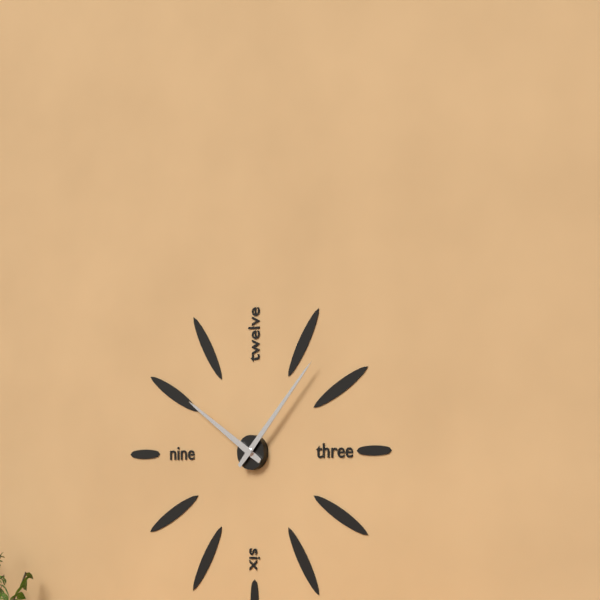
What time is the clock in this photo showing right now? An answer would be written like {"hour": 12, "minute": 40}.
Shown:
{"hour": 10, "minute": 7}
